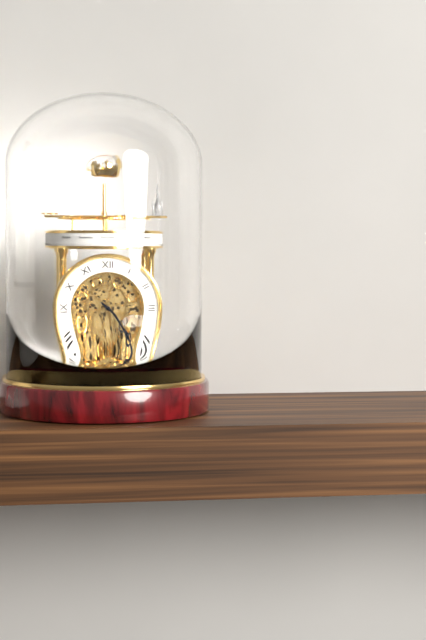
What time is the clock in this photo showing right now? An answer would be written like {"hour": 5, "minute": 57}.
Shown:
{"hour": 4, "minute": 22}
